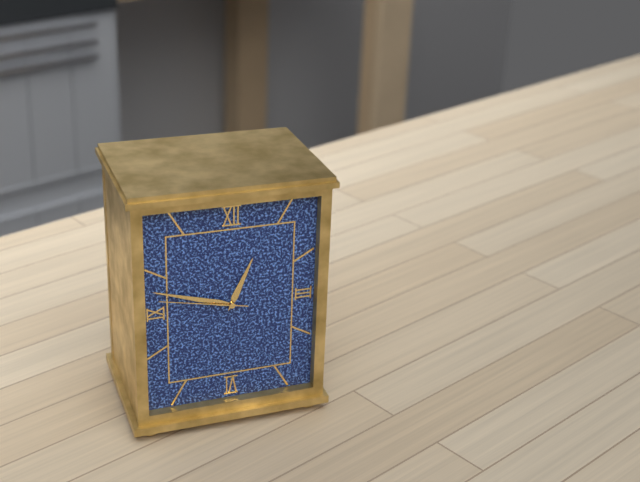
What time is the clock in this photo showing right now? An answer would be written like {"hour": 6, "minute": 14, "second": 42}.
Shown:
{"hour": 12, "minute": 48, "second": 47}
